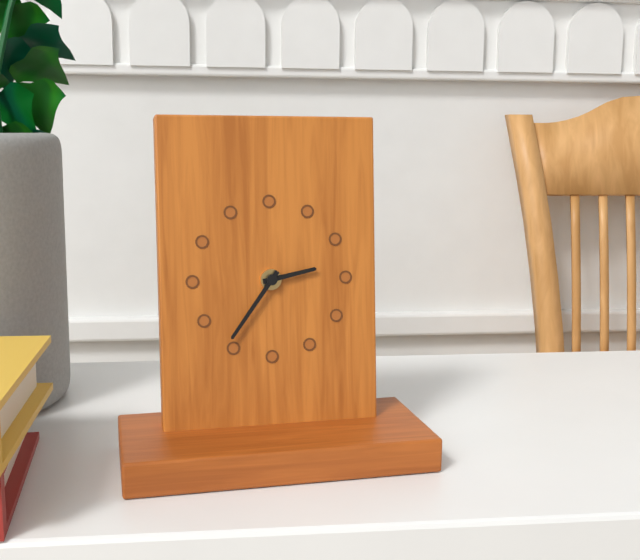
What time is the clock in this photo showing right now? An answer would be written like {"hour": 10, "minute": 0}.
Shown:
{"hour": 2, "minute": 36}
